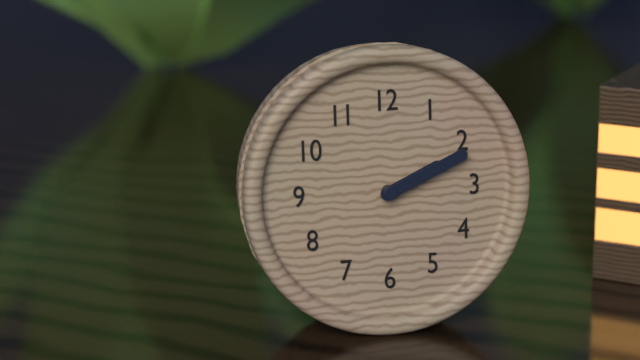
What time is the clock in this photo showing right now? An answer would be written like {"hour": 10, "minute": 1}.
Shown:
{"hour": 2, "minute": 11}
